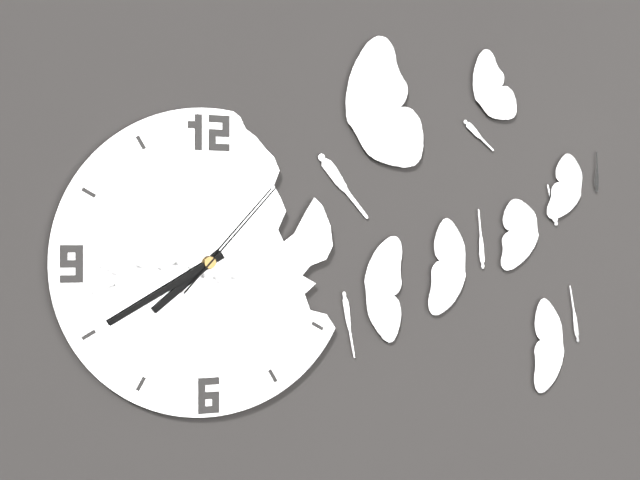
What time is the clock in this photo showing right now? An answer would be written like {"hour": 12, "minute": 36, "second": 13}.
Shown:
{"hour": 7, "minute": 40, "second": 7}
